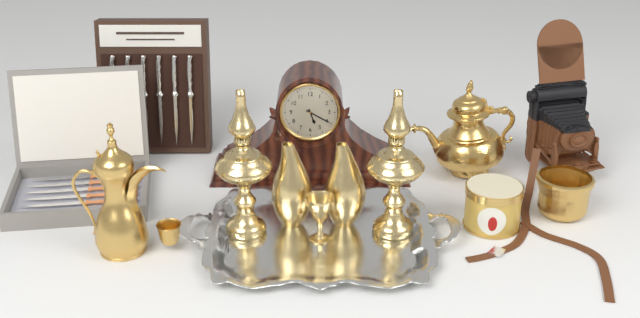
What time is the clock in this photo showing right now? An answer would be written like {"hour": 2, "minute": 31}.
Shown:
{"hour": 5, "minute": 20}
